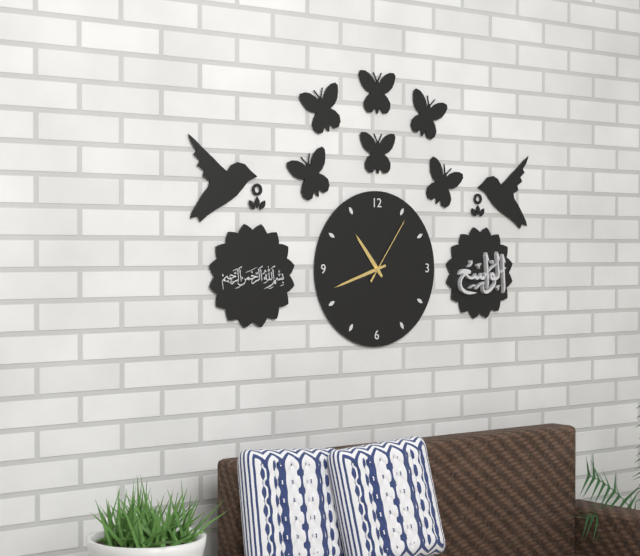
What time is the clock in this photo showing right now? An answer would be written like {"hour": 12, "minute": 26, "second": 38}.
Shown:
{"hour": 10, "minute": 42, "second": 6}
